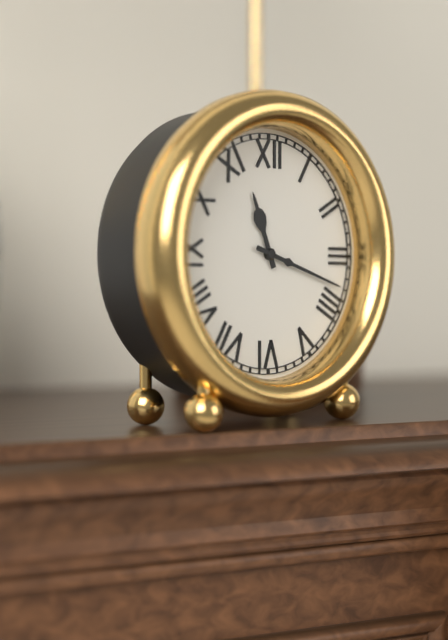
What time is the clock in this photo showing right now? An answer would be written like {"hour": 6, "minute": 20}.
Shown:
{"hour": 11, "minute": 18}
